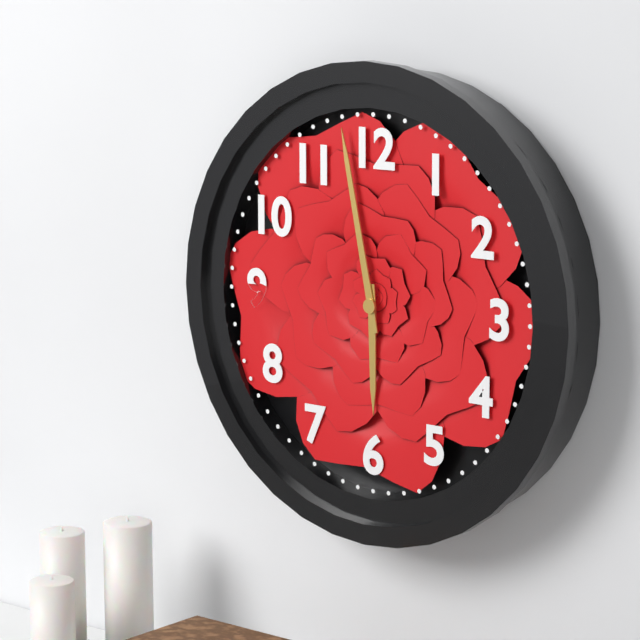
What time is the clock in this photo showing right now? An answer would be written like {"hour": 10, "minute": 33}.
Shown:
{"hour": 5, "minute": 58}
